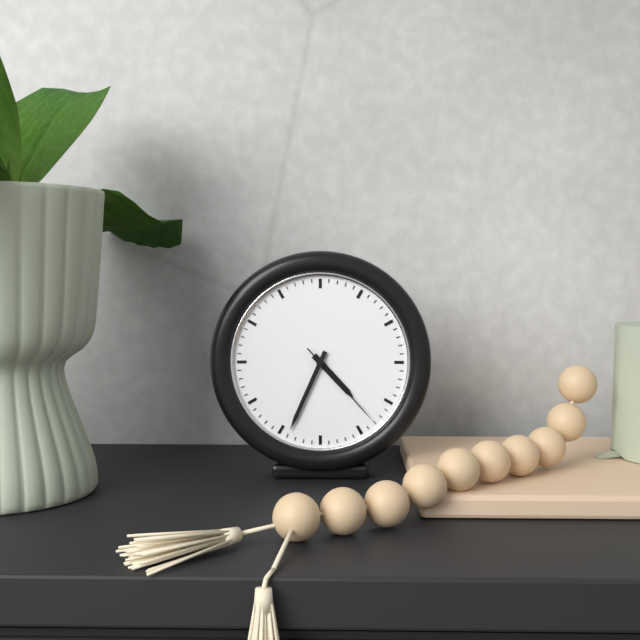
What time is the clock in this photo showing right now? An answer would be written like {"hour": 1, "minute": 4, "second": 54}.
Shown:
{"hour": 4, "minute": 34, "second": 23}
